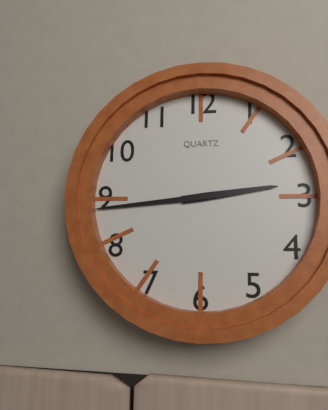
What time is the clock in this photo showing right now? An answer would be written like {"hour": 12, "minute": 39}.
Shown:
{"hour": 2, "minute": 44}
